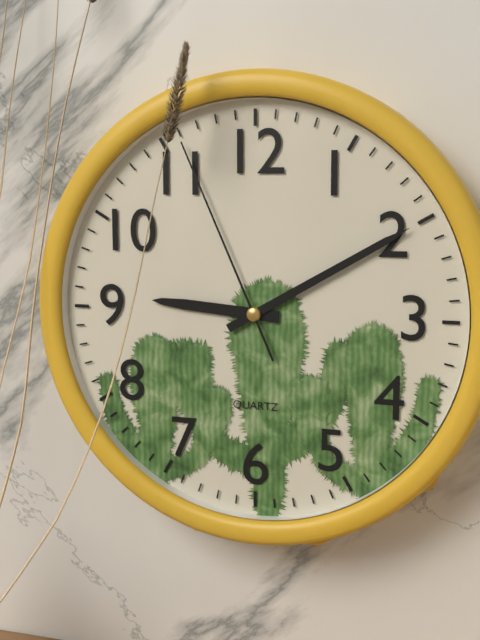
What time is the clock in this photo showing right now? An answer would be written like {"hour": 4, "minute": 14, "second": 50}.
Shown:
{"hour": 9, "minute": 10, "second": 56}
